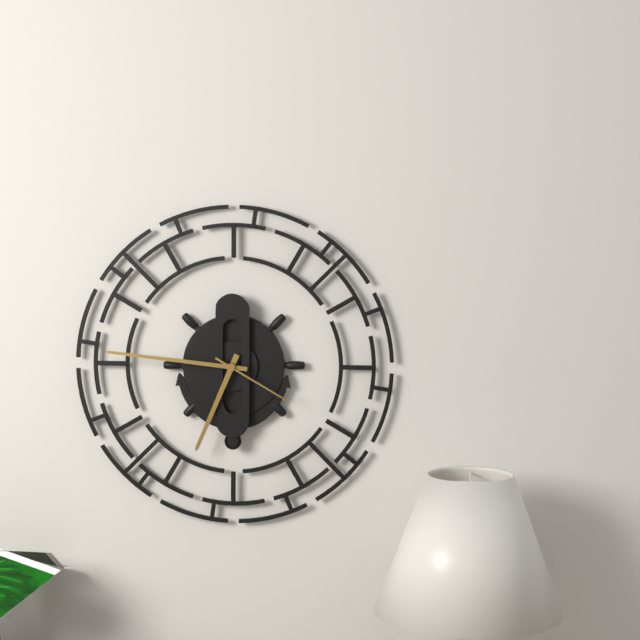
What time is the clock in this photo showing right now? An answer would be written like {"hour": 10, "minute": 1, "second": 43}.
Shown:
{"hour": 6, "minute": 46, "second": 20}
